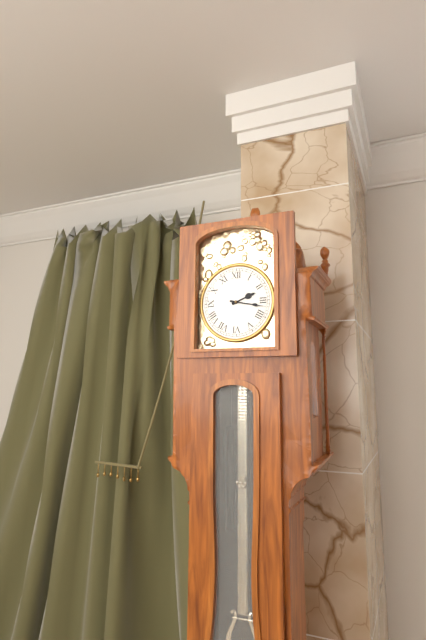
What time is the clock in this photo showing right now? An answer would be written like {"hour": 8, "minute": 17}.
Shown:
{"hour": 2, "minute": 17}
